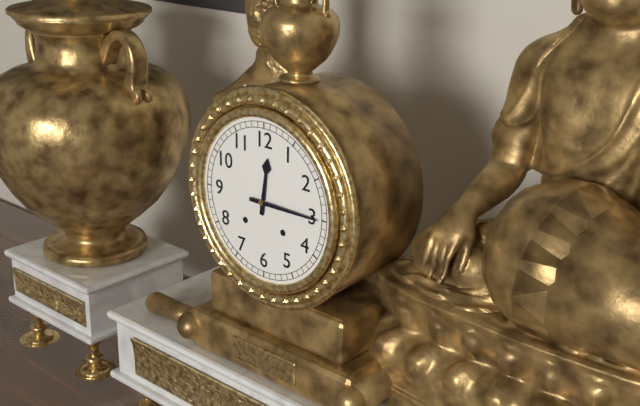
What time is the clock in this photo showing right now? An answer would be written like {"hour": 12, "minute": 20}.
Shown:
{"hour": 12, "minute": 15}
